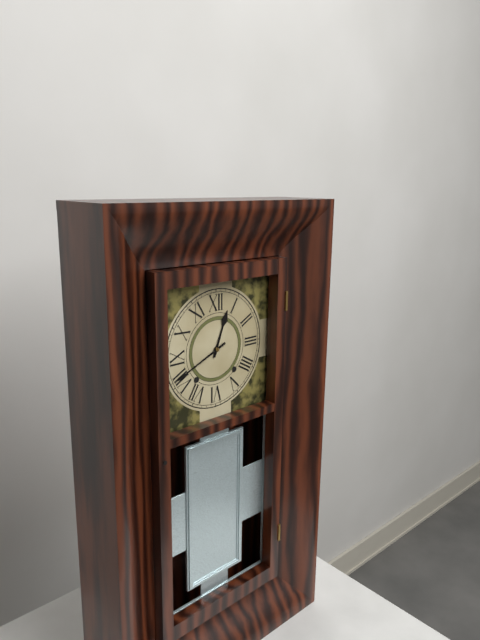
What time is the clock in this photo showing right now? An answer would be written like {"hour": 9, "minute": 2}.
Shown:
{"hour": 12, "minute": 41}
